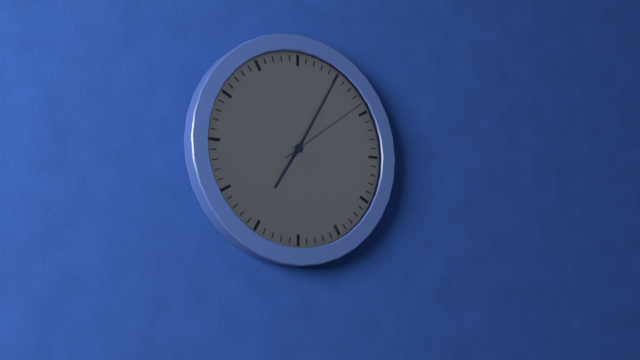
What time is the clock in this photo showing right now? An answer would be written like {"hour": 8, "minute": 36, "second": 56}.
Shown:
{"hour": 7, "minute": 5, "second": 9}
